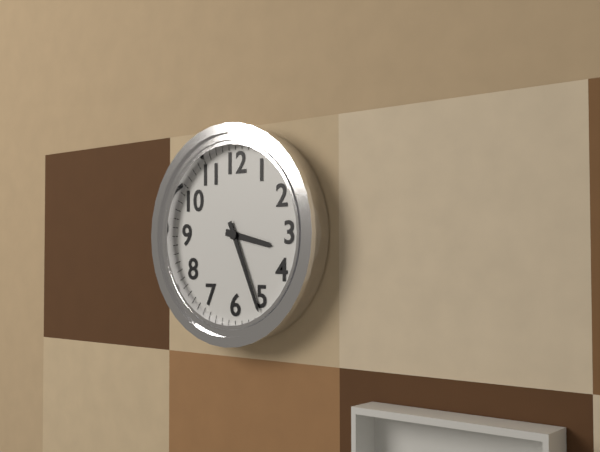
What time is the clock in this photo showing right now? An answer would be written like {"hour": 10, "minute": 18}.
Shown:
{"hour": 3, "minute": 26}
